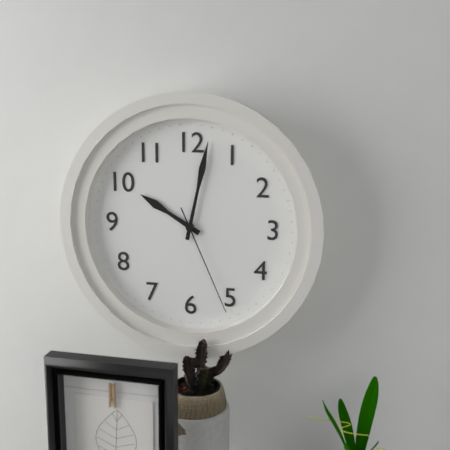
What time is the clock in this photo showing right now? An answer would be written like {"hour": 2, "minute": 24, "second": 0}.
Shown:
{"hour": 10, "minute": 2, "second": 26}
